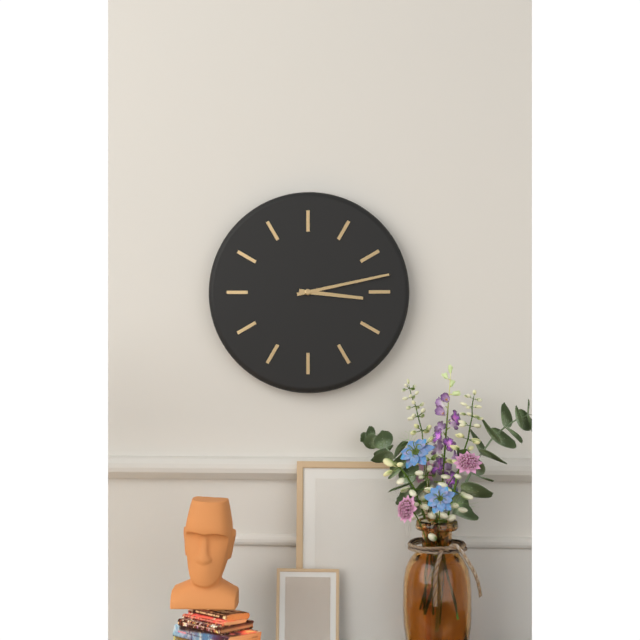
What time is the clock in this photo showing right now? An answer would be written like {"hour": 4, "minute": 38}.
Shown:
{"hour": 3, "minute": 13}
